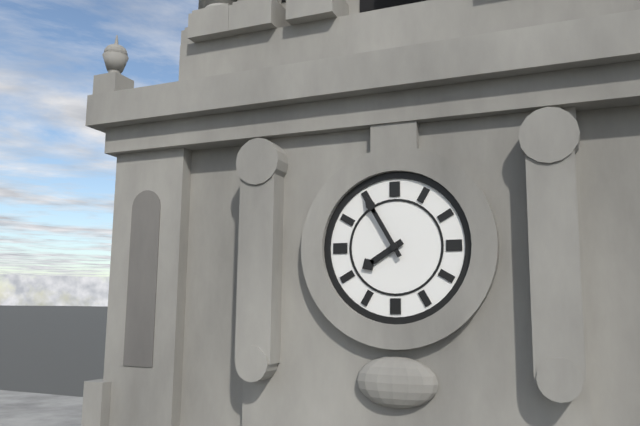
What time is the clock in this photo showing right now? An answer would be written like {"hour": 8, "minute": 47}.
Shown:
{"hour": 7, "minute": 55}
